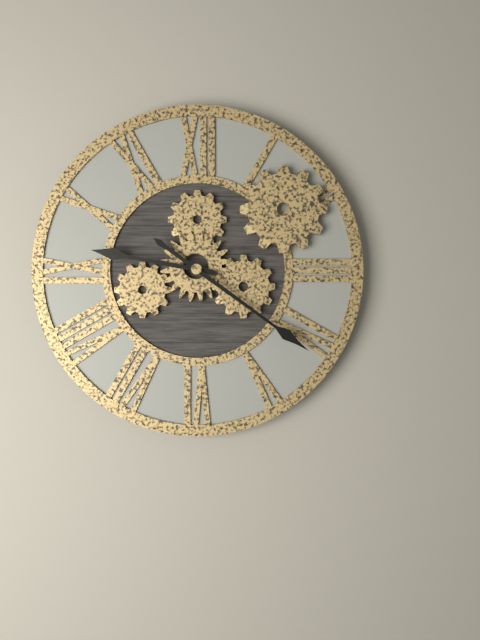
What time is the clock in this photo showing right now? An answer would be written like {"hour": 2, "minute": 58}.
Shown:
{"hour": 9, "minute": 21}
